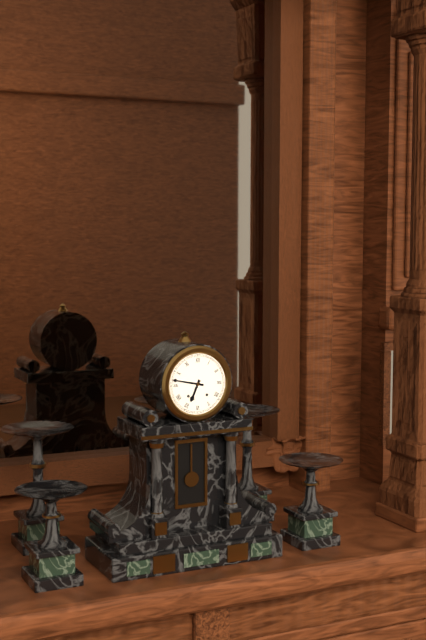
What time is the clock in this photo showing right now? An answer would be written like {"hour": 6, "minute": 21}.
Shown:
{"hour": 6, "minute": 47}
